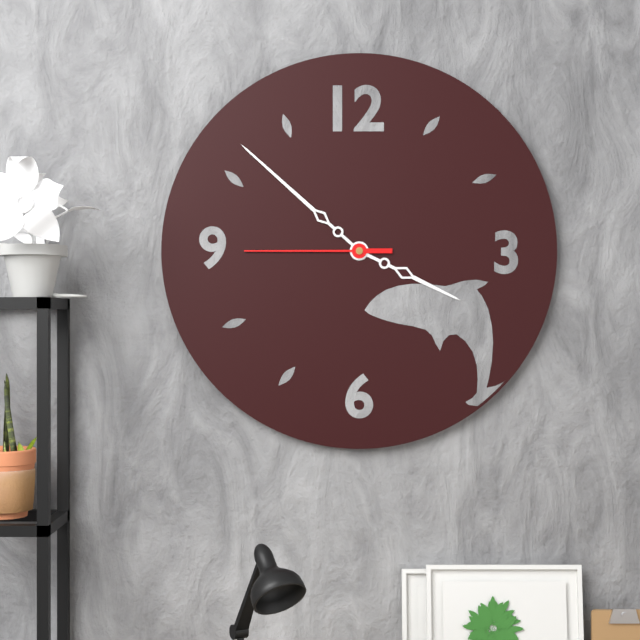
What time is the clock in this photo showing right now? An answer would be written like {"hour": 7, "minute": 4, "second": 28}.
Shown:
{"hour": 3, "minute": 52, "second": 45}
